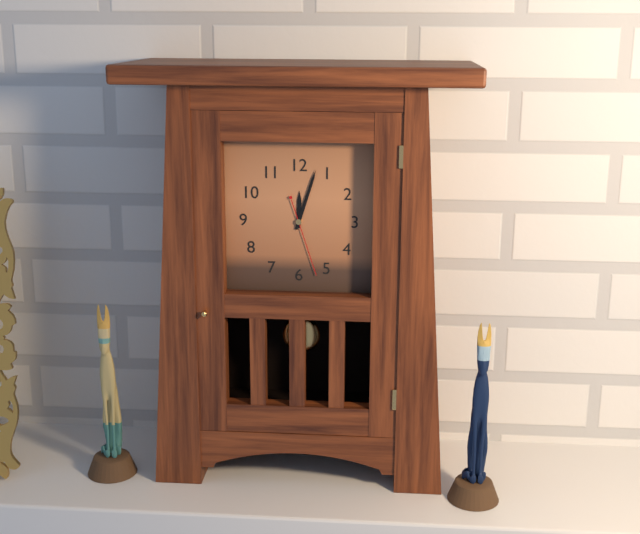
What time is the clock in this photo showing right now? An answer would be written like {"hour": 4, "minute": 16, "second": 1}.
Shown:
{"hour": 12, "minute": 3, "second": 27}
